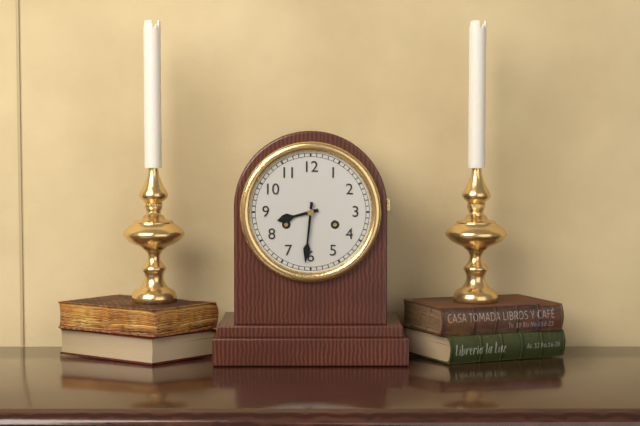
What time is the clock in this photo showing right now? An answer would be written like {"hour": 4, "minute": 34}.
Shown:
{"hour": 8, "minute": 31}
